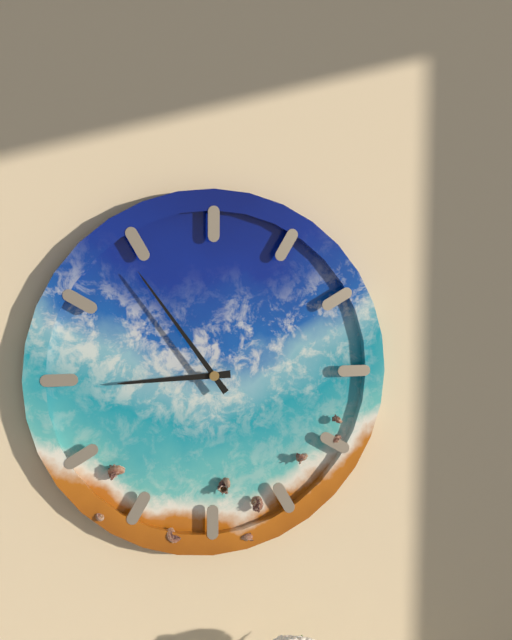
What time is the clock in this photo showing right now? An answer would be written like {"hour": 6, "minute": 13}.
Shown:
{"hour": 8, "minute": 54}
